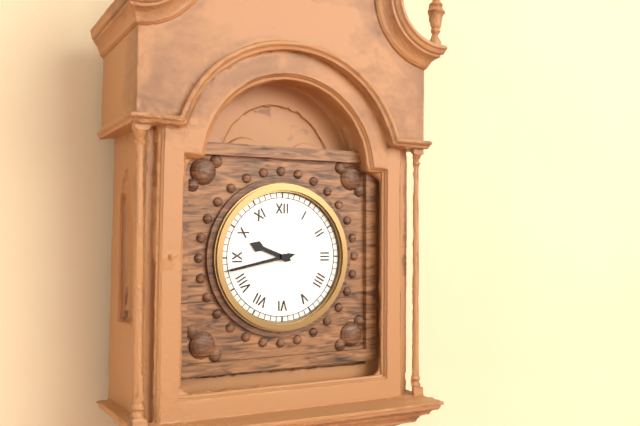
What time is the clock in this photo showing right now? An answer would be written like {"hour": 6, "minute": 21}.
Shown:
{"hour": 9, "minute": 43}
